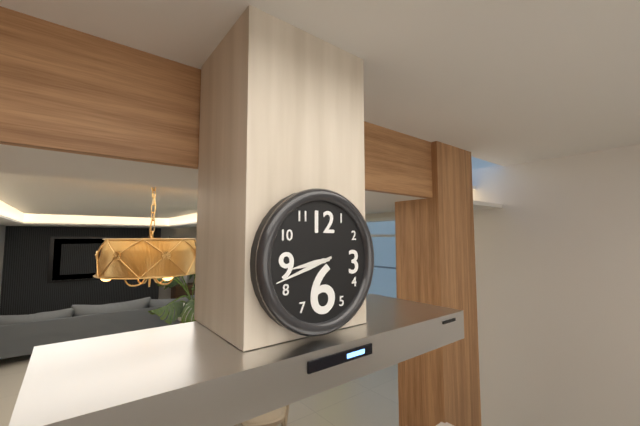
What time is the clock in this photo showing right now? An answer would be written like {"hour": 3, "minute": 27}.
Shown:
{"hour": 8, "minute": 42}
